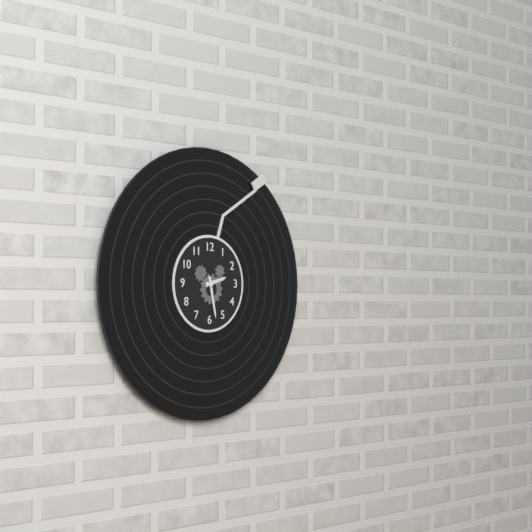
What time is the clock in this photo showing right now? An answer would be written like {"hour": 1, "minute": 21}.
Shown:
{"hour": 2, "minute": 28}
